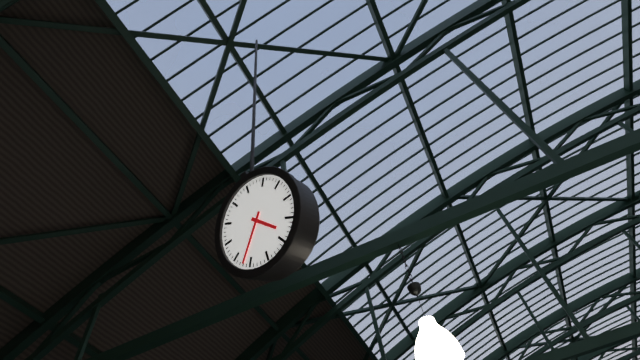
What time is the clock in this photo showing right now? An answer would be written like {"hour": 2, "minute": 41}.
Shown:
{"hour": 4, "minute": 37}
